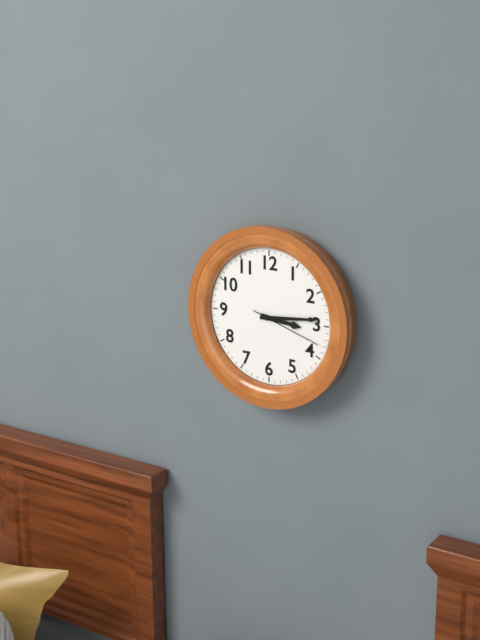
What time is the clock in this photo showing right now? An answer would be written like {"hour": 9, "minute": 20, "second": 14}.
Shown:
{"hour": 3, "minute": 14, "second": 18}
